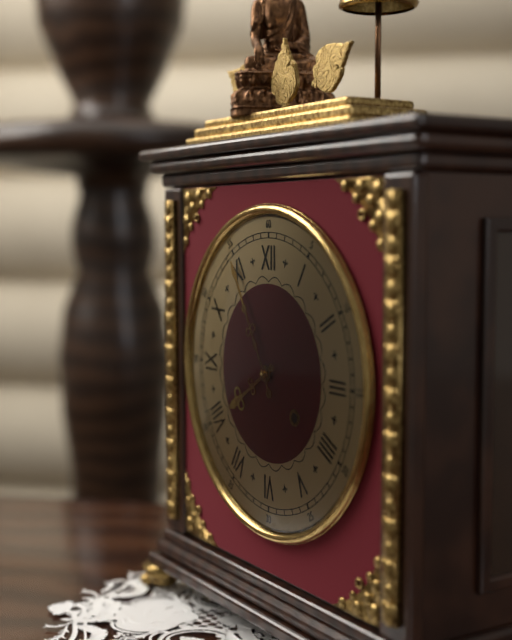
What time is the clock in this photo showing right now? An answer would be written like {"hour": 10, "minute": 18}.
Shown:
{"hour": 7, "minute": 55}
